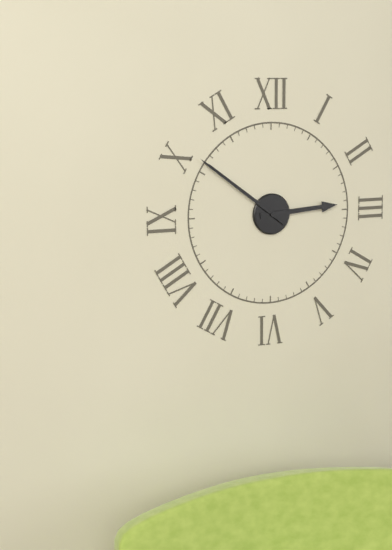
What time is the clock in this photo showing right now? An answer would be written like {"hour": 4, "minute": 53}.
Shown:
{"hour": 2, "minute": 51}
